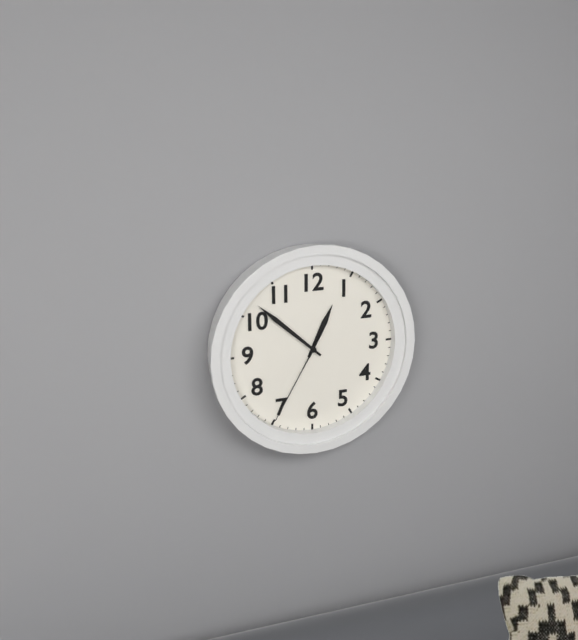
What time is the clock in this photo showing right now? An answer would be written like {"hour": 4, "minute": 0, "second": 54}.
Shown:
{"hour": 12, "minute": 52, "second": 35}
